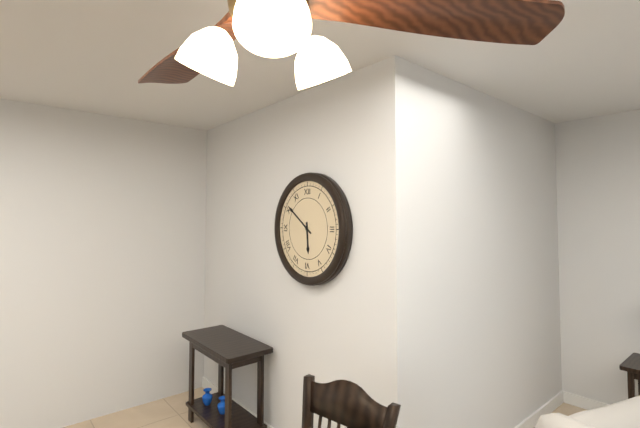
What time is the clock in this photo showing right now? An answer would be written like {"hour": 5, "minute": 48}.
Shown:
{"hour": 5, "minute": 51}
